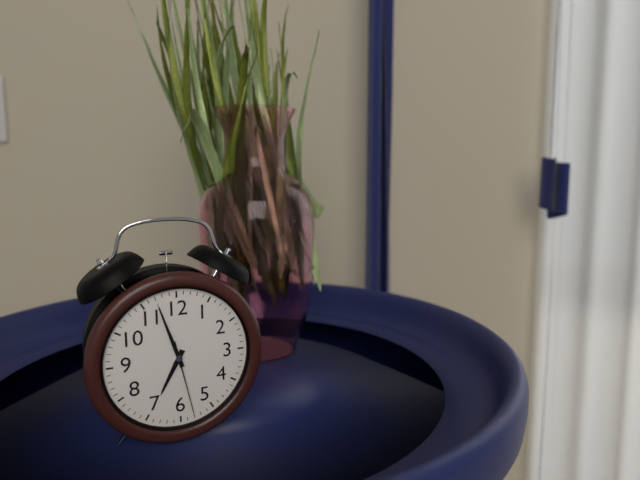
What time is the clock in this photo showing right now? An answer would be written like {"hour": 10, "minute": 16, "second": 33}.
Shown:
{"hour": 6, "minute": 57, "second": 28}
